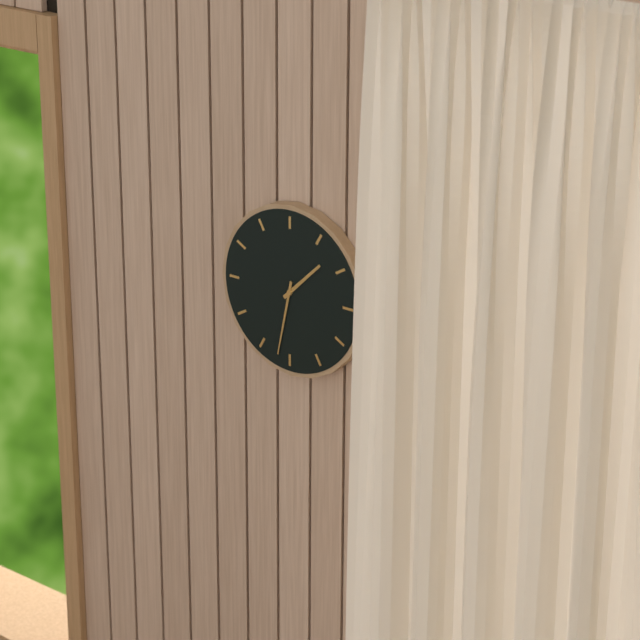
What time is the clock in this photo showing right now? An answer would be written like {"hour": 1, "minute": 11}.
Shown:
{"hour": 1, "minute": 32}
